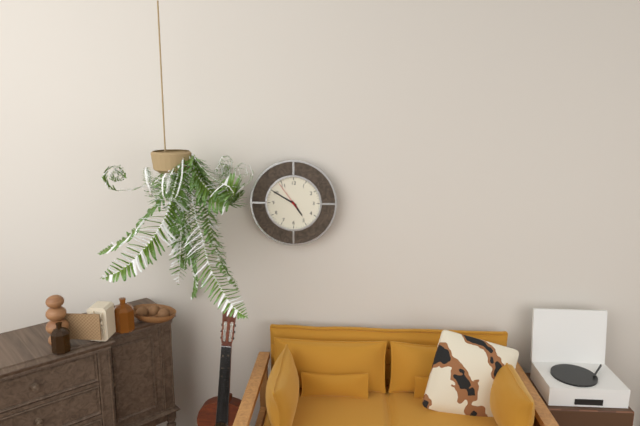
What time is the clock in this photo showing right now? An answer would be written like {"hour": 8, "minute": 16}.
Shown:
{"hour": 4, "minute": 50}
